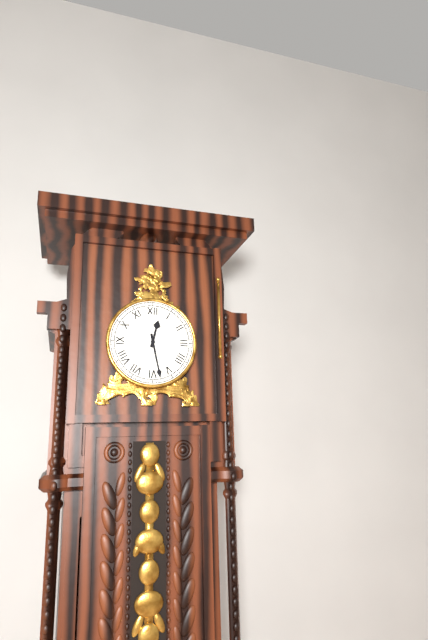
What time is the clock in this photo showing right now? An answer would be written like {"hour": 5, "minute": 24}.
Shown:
{"hour": 12, "minute": 28}
